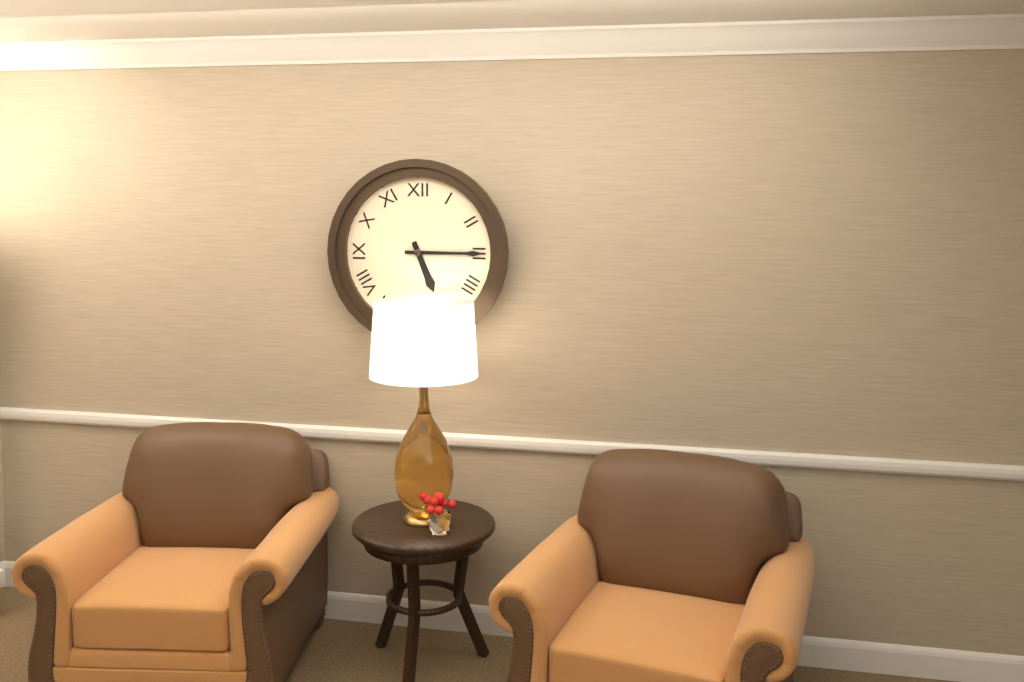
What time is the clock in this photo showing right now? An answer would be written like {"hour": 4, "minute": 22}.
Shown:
{"hour": 5, "minute": 15}
